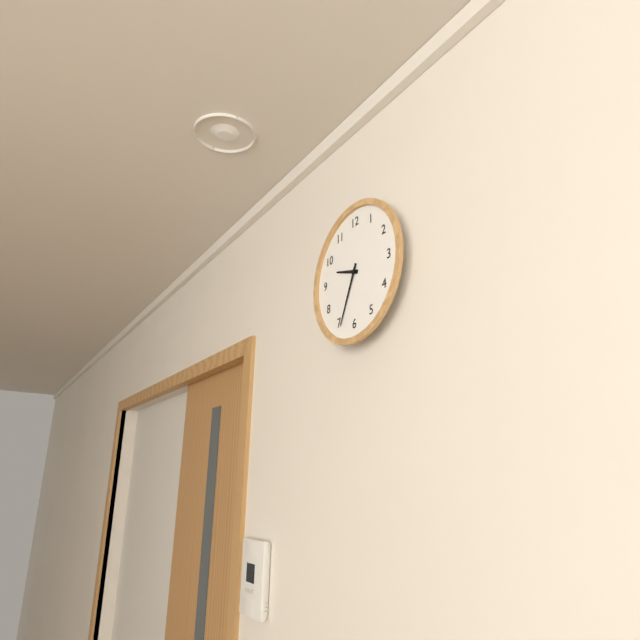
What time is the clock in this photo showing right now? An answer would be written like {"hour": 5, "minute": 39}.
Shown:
{"hour": 9, "minute": 34}
